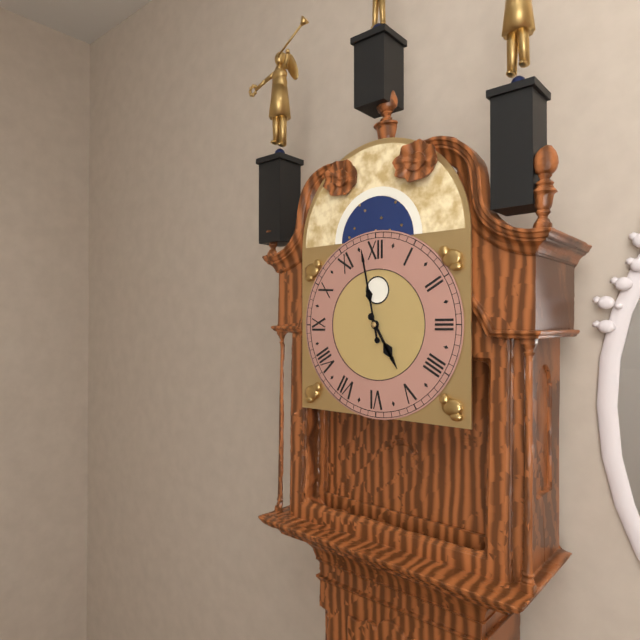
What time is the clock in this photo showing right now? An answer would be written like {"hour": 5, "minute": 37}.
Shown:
{"hour": 4, "minute": 58}
